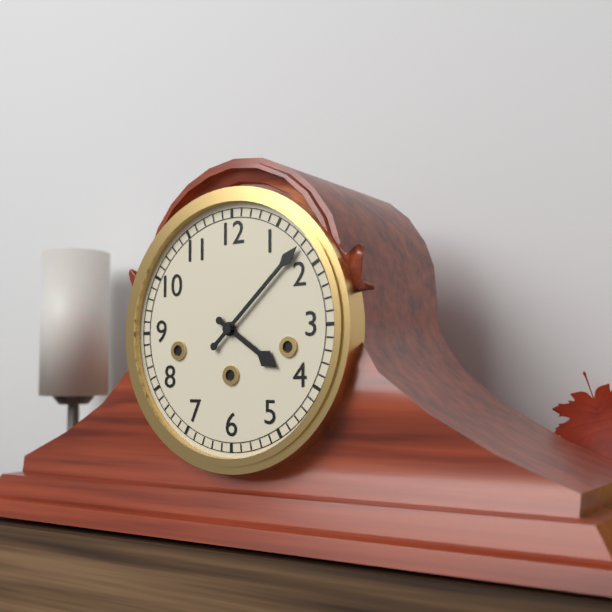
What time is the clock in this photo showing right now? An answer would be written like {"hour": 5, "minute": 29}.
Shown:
{"hour": 4, "minute": 8}
